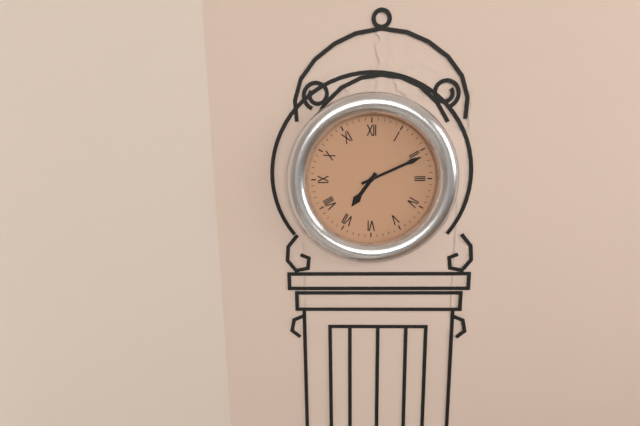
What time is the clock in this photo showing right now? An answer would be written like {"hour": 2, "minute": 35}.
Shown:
{"hour": 7, "minute": 11}
